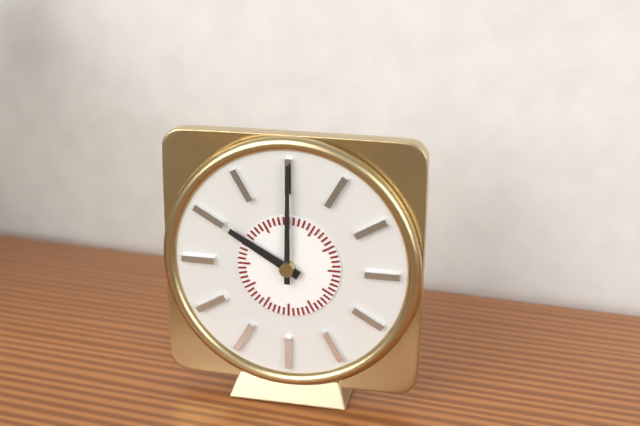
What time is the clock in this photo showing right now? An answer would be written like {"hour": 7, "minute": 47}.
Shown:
{"hour": 10, "minute": 0}
